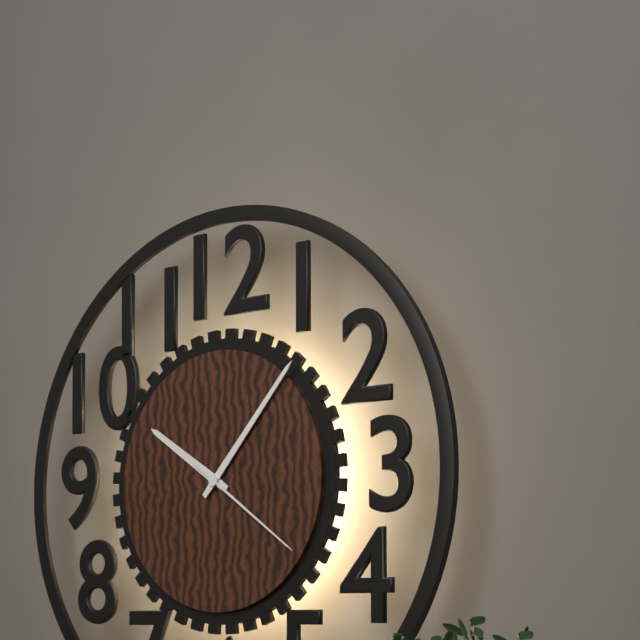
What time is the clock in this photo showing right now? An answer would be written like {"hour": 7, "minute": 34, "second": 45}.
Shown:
{"hour": 10, "minute": 7, "second": 21}
